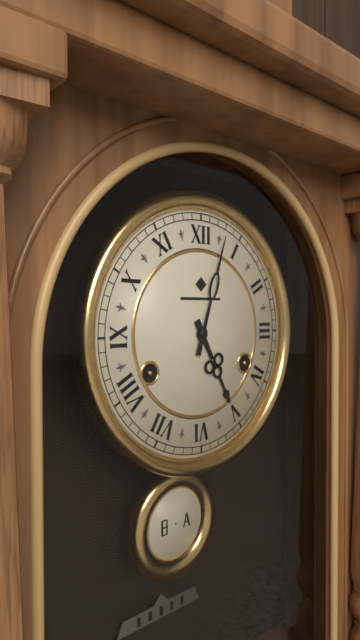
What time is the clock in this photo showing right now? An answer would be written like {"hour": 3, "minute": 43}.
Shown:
{"hour": 5, "minute": 3}
